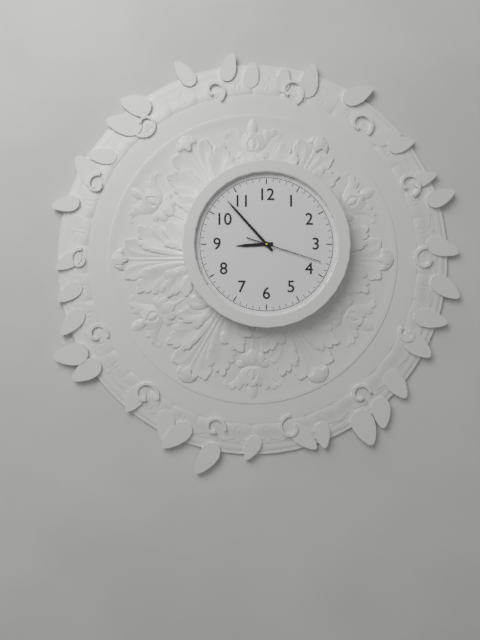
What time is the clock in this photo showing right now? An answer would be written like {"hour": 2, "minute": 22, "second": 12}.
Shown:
{"hour": 8, "minute": 53, "second": 18}
